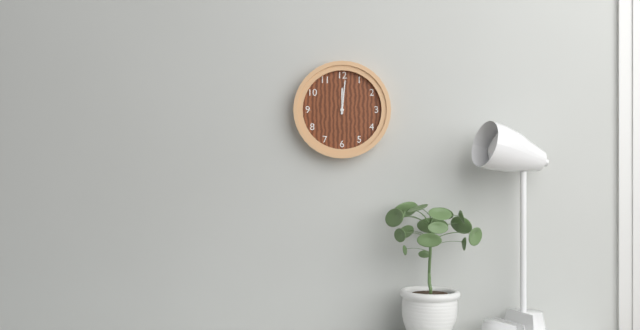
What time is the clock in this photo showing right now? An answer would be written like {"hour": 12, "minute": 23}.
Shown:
{"hour": 12, "minute": 1}
